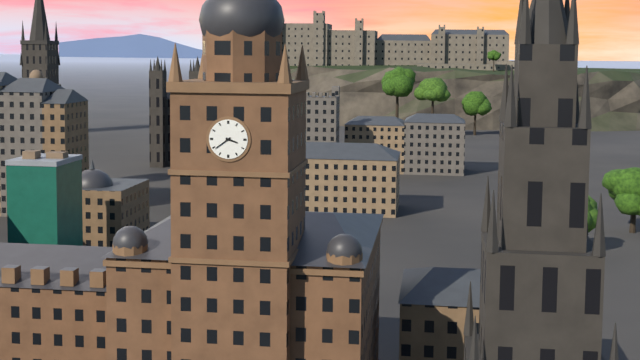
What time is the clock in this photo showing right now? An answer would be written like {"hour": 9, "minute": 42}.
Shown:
{"hour": 3, "minute": 39}
